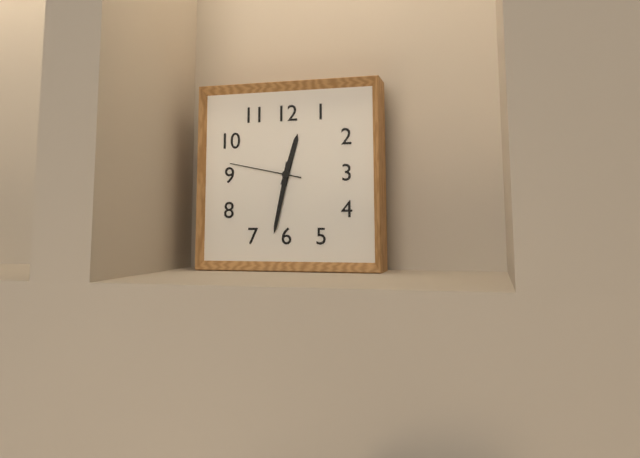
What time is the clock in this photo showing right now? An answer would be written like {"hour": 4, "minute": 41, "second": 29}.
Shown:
{"hour": 12, "minute": 32, "second": 47}
